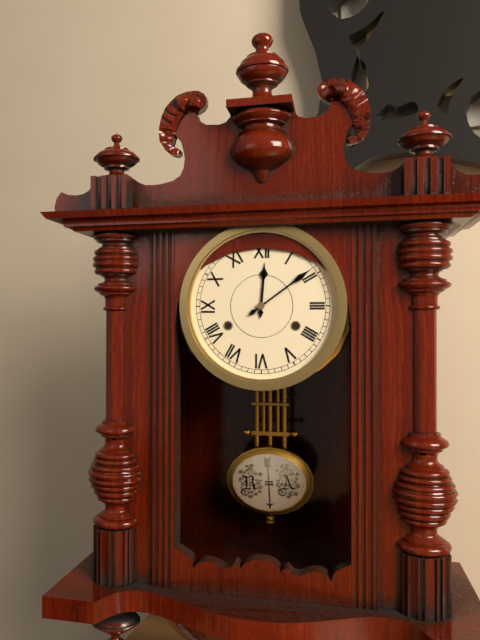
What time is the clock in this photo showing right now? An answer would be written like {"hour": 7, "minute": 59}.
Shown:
{"hour": 12, "minute": 9}
